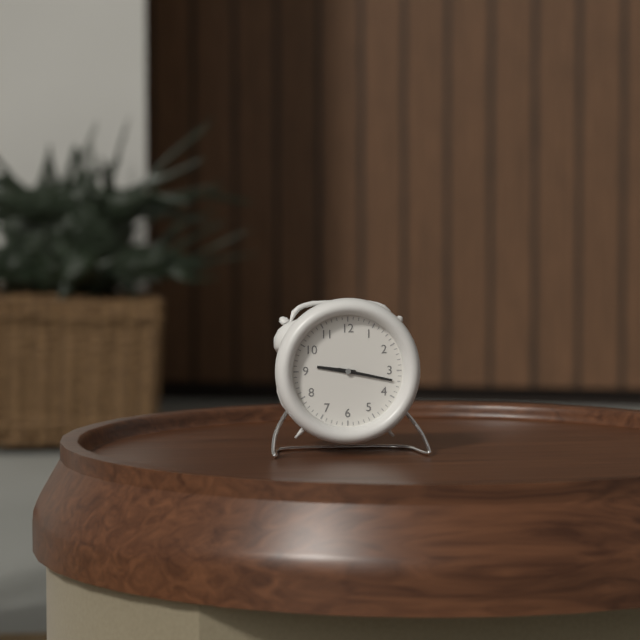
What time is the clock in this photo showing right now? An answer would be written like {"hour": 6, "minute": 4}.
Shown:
{"hour": 9, "minute": 17}
